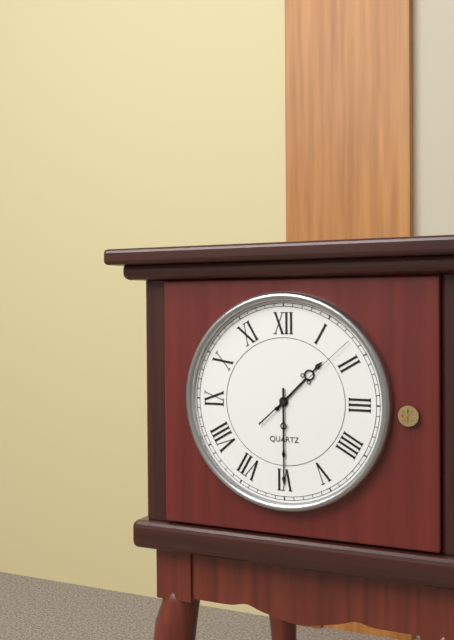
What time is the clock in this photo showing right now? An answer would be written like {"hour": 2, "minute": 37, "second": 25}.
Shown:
{"hour": 1, "minute": 30, "second": 8}
